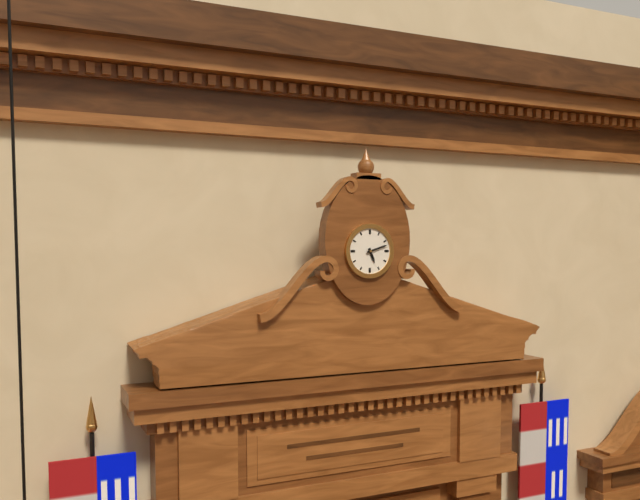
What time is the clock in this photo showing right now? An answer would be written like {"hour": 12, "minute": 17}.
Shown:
{"hour": 5, "minute": 12}
